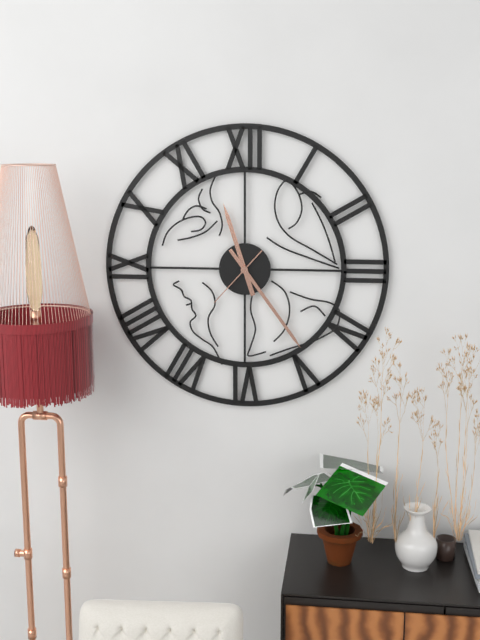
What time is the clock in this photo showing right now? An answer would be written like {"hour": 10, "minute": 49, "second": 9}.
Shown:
{"hour": 11, "minute": 24, "second": 37}
